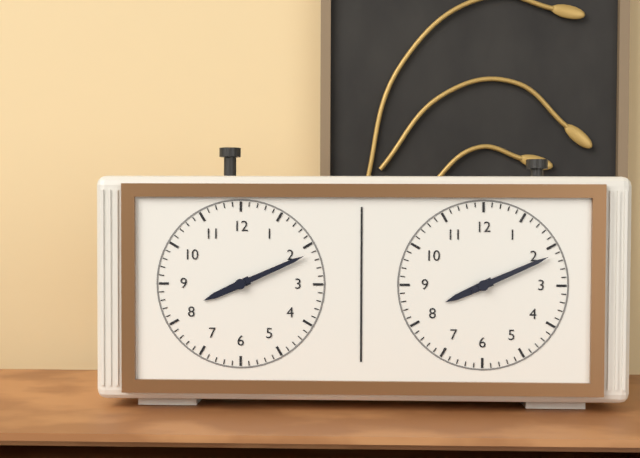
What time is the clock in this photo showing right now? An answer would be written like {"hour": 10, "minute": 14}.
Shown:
{"hour": 8, "minute": 11}
